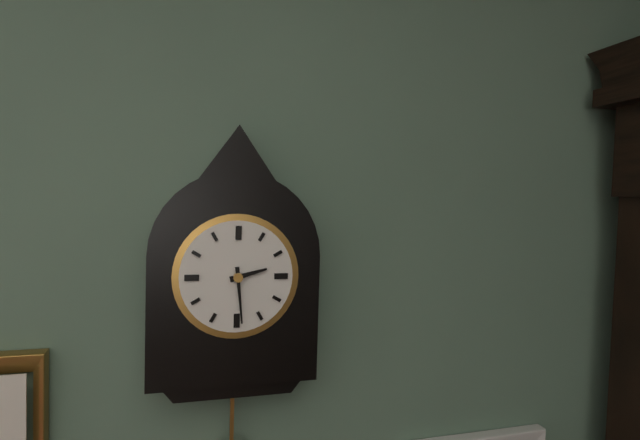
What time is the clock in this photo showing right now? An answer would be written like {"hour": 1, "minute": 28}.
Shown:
{"hour": 2, "minute": 29}
